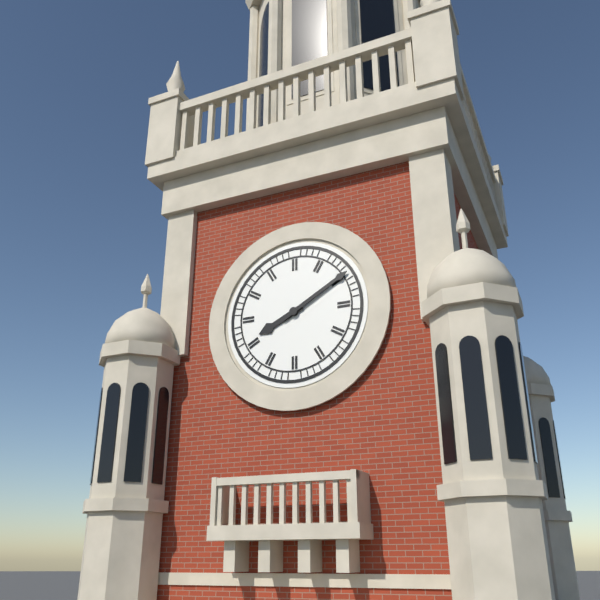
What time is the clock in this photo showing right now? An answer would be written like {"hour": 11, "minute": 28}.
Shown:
{"hour": 8, "minute": 10}
